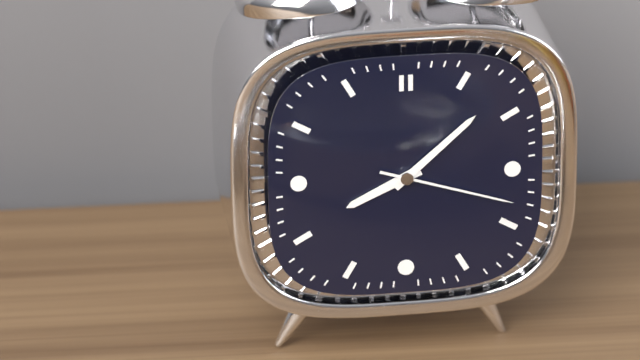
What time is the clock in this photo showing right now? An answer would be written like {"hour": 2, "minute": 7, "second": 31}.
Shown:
{"hour": 8, "minute": 8, "second": 18}
